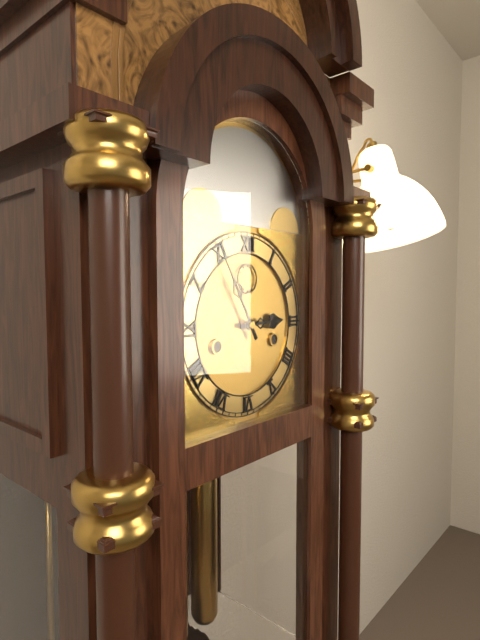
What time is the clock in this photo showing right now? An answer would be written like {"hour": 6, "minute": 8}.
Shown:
{"hour": 2, "minute": 55}
